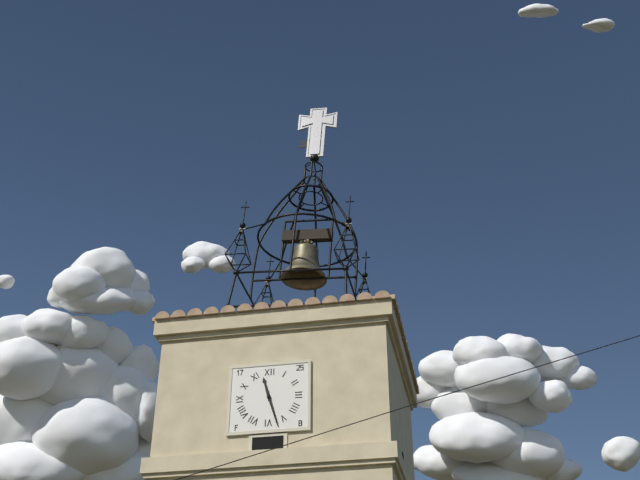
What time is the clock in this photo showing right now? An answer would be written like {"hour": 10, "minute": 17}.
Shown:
{"hour": 11, "minute": 27}
